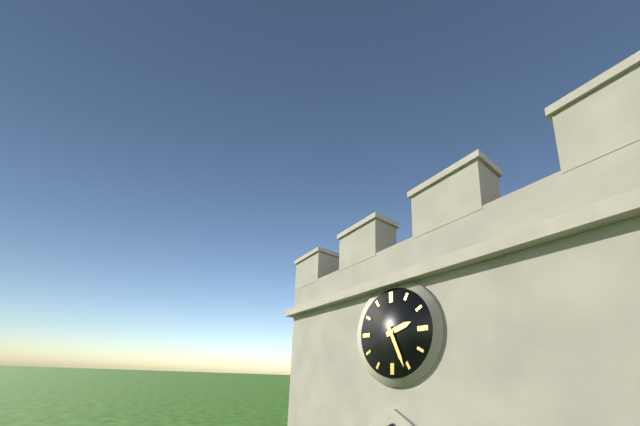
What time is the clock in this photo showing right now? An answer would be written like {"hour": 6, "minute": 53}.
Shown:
{"hour": 2, "minute": 26}
